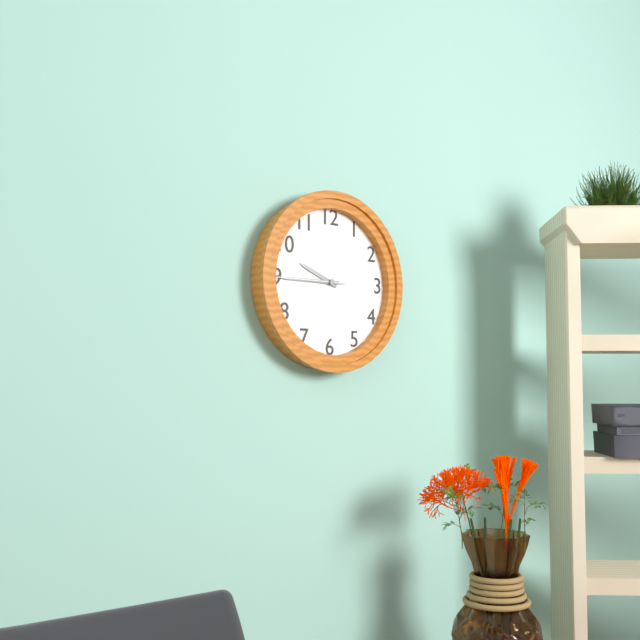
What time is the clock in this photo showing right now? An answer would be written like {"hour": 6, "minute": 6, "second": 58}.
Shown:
{"hour": 9, "minute": 45, "second": 45}
